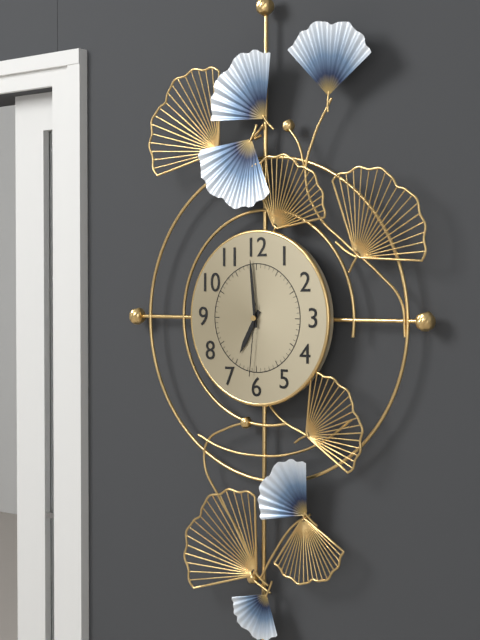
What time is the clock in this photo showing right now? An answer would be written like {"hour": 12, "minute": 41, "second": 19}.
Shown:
{"hour": 6, "minute": 59, "second": 31}
